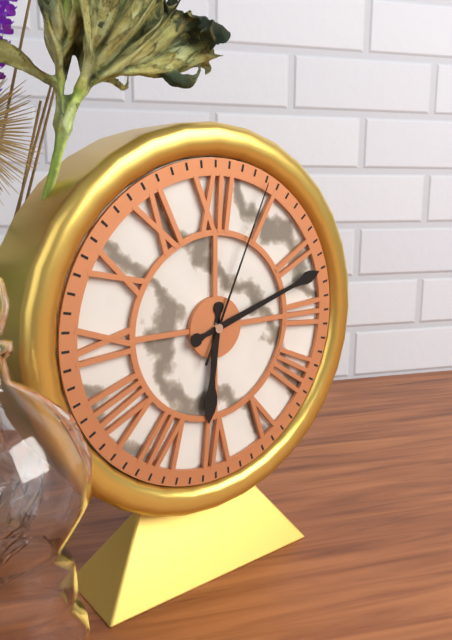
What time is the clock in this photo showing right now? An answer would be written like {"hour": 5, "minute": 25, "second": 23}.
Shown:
{"hour": 6, "minute": 12, "second": 4}
